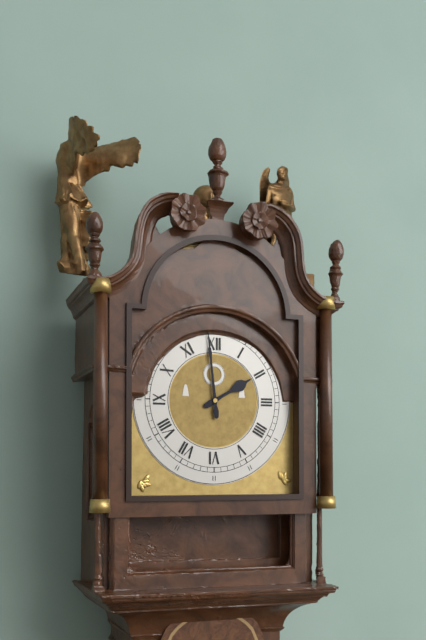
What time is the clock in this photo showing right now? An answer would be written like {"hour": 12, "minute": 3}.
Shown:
{"hour": 1, "minute": 59}
